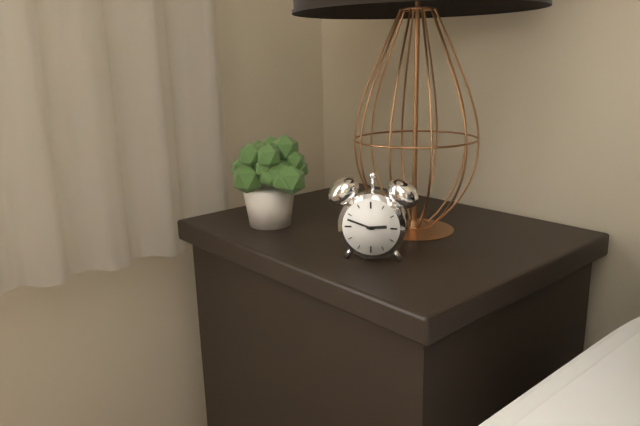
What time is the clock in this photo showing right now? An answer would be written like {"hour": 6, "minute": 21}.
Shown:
{"hour": 2, "minute": 48}
